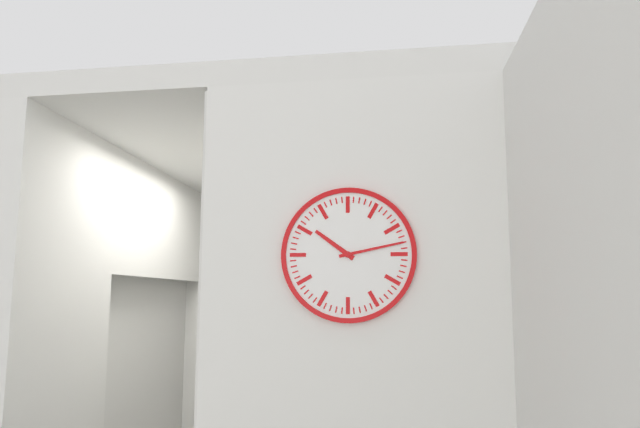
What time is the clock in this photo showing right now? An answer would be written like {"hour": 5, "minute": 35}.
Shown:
{"hour": 10, "minute": 13}
